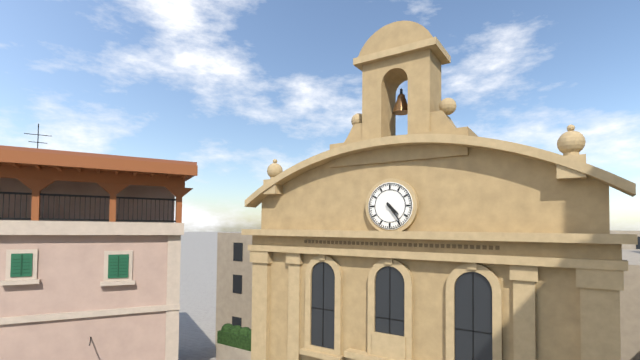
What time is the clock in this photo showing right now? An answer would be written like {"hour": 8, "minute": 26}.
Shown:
{"hour": 4, "minute": 24}
